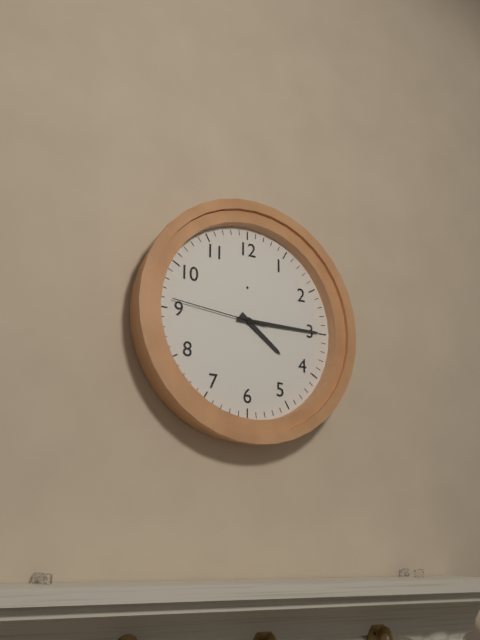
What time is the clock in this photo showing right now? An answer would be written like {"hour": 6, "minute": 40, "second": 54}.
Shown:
{"hour": 4, "minute": 15, "second": 46}
